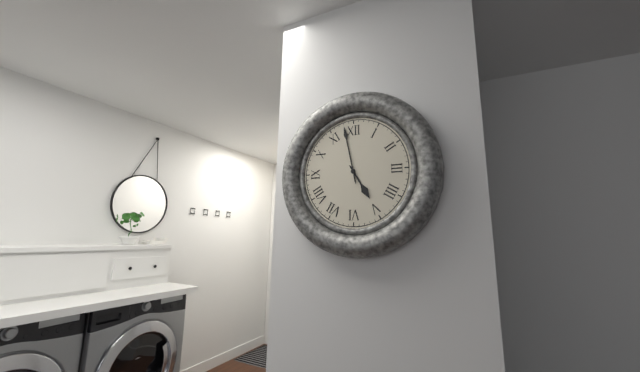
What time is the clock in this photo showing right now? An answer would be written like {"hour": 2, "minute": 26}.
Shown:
{"hour": 4, "minute": 58}
